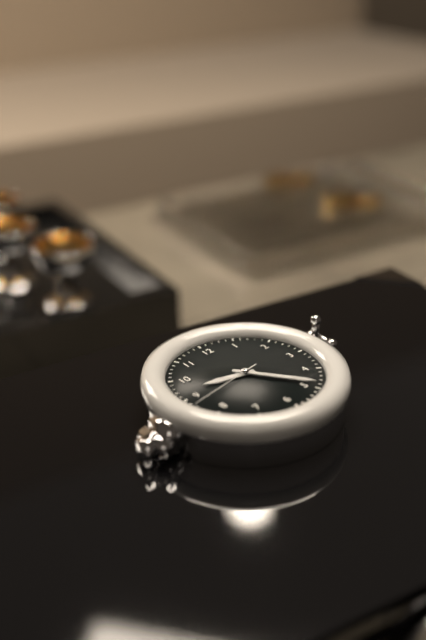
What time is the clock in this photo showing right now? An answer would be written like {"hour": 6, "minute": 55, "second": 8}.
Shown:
{"hour": 9, "minute": 24, "second": 43}
